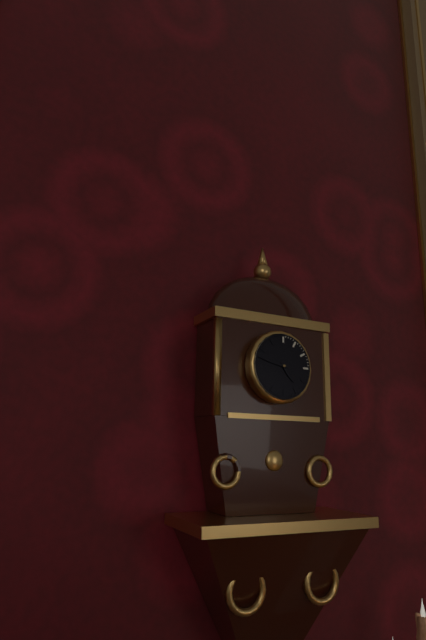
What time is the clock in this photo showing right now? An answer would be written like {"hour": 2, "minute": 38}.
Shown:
{"hour": 4, "minute": 47}
